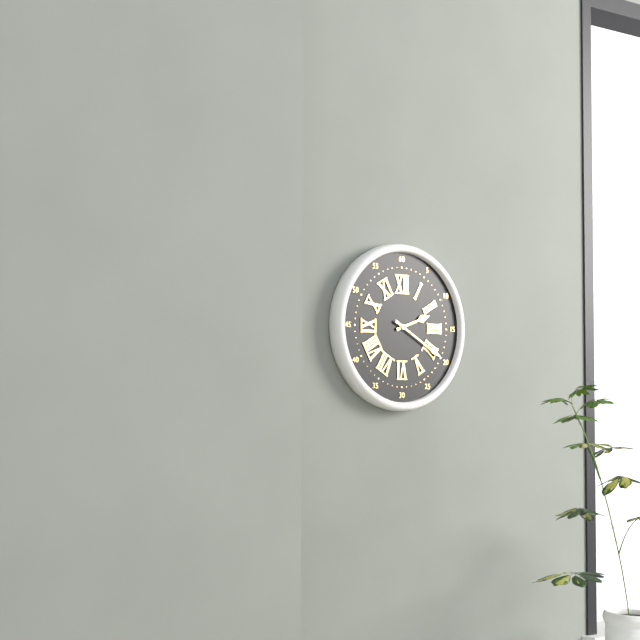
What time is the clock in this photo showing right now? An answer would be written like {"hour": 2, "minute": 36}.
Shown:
{"hour": 2, "minute": 20}
